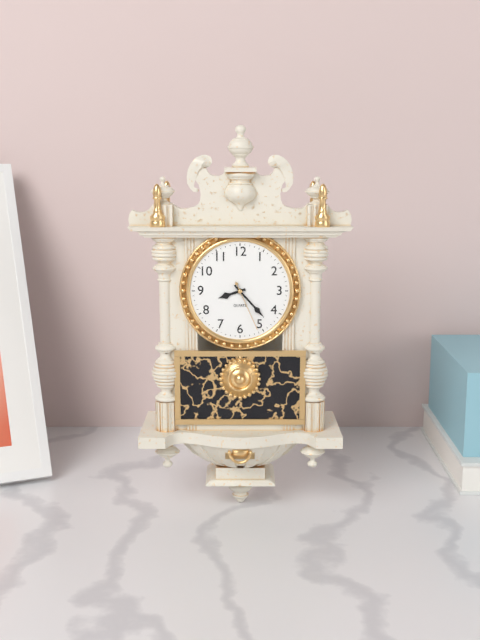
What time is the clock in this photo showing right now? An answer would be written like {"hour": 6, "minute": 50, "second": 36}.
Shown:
{"hour": 8, "minute": 23, "second": 26}
